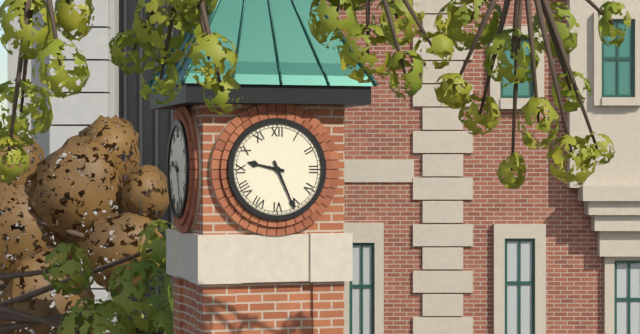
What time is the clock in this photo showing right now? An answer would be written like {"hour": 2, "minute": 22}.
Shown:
{"hour": 9, "minute": 26}
